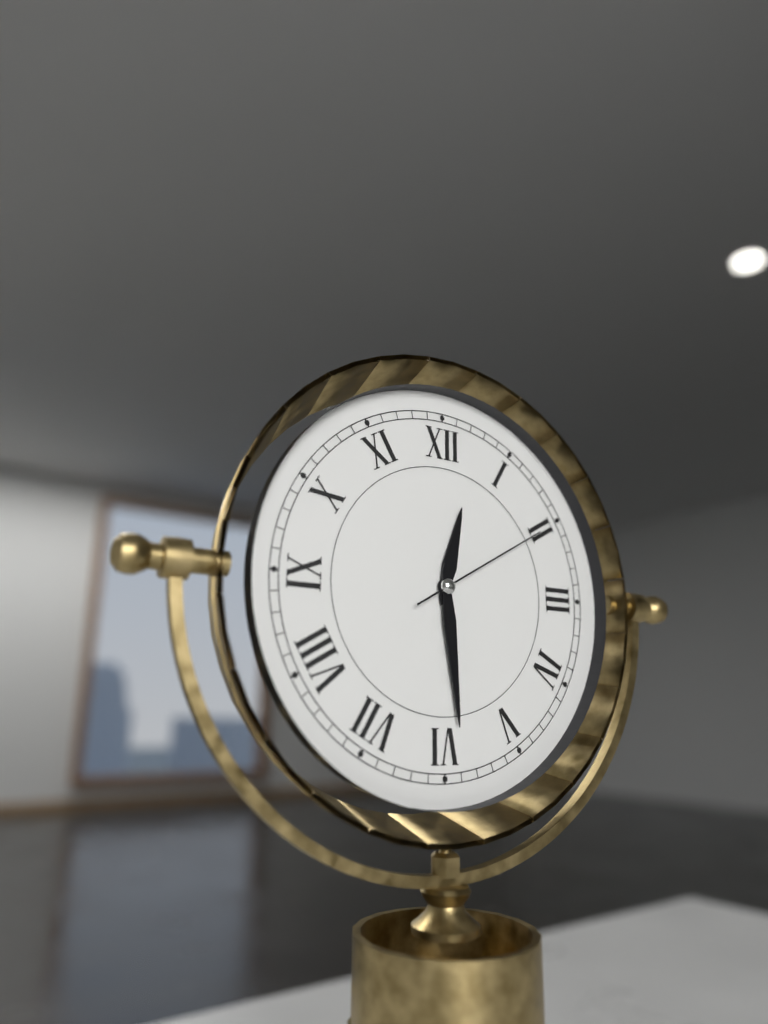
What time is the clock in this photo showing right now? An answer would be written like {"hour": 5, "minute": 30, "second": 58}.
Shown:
{"hour": 12, "minute": 29, "second": 10}
